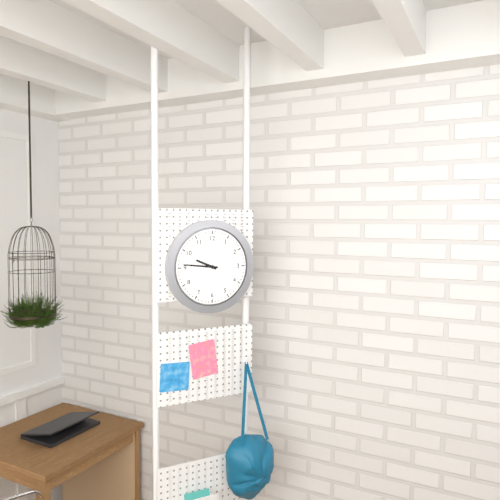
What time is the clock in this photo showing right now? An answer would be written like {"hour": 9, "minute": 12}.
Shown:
{"hour": 9, "minute": 46}
